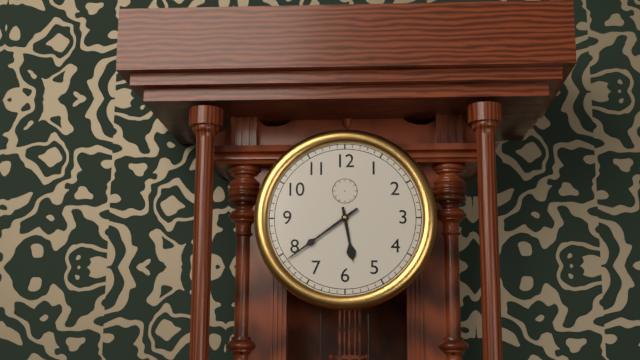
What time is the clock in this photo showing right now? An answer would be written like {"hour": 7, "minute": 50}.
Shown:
{"hour": 5, "minute": 39}
